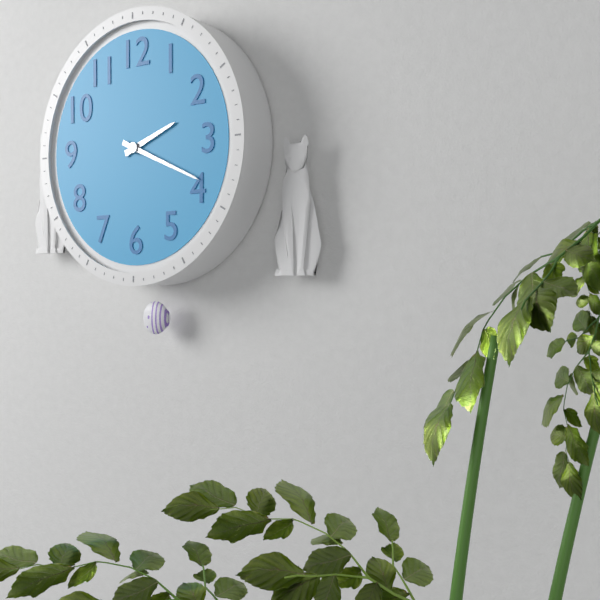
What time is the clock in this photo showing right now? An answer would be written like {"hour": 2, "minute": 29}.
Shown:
{"hour": 2, "minute": 19}
